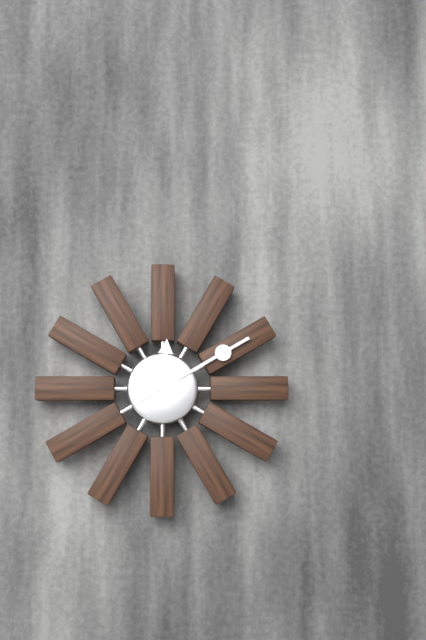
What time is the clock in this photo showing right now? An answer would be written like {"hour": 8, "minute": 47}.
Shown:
{"hour": 12, "minute": 10}
